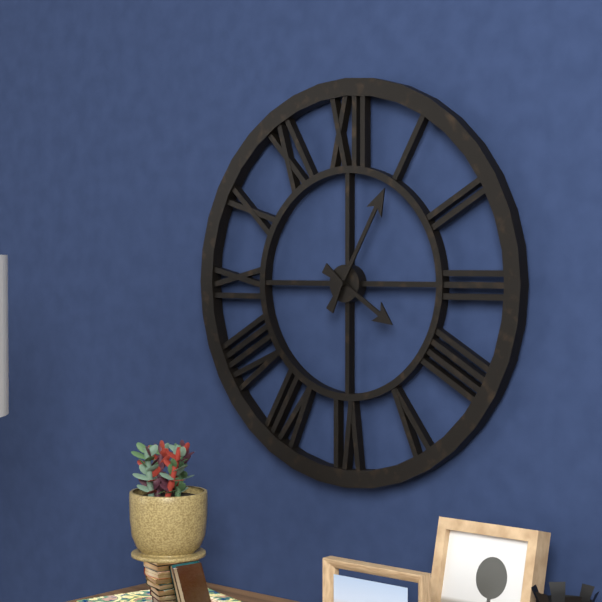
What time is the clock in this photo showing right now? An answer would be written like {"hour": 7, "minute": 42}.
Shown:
{"hour": 4, "minute": 5}
